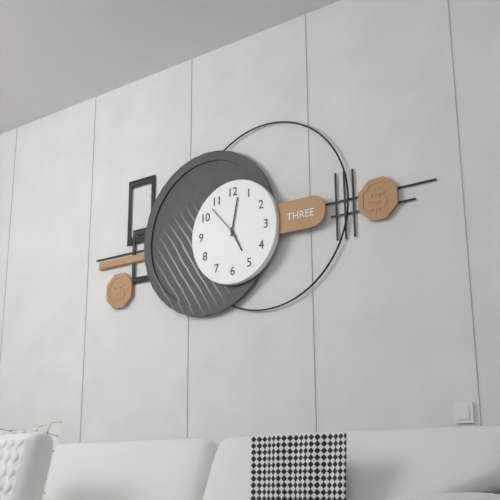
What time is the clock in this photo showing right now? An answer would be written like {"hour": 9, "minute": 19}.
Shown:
{"hour": 5, "minute": 2}
